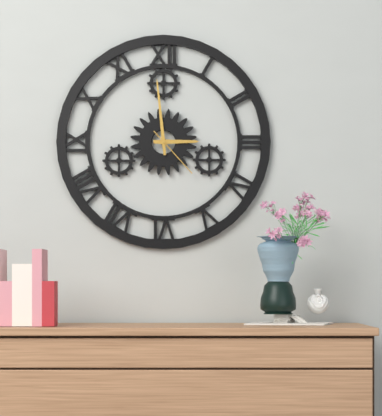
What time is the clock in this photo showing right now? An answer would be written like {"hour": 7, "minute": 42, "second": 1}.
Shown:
{"hour": 2, "minute": 59, "second": 23}
